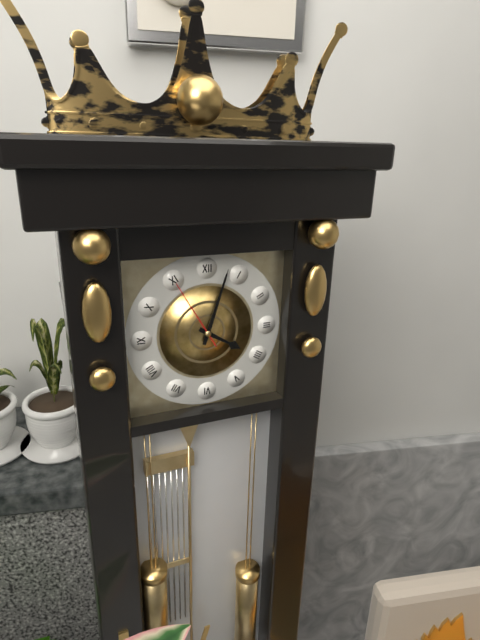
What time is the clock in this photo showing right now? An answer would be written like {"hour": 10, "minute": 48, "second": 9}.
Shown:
{"hour": 4, "minute": 3, "second": 55}
